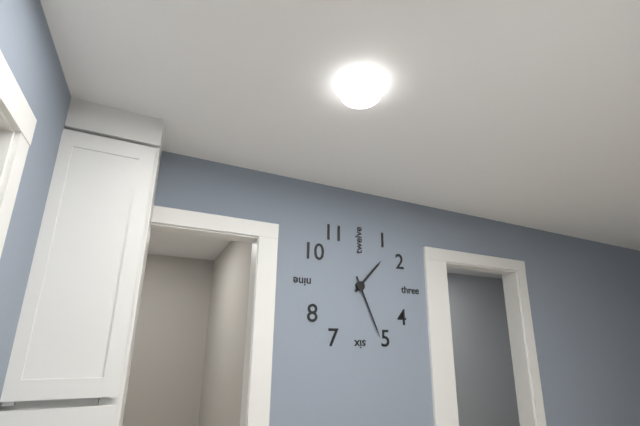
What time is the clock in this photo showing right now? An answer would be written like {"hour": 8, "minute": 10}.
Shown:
{"hour": 1, "minute": 26}
